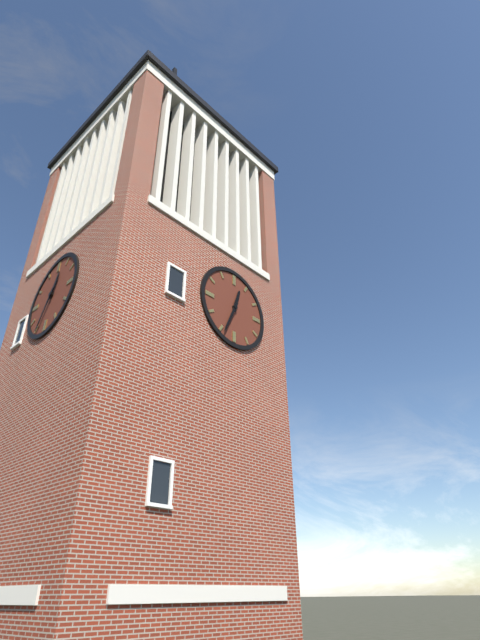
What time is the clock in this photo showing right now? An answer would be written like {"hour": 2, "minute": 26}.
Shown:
{"hour": 12, "minute": 34}
